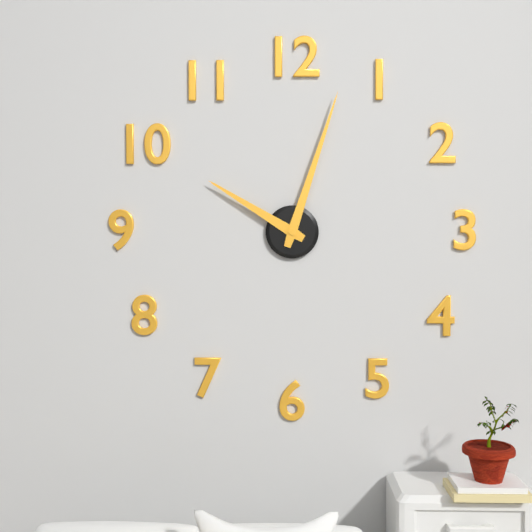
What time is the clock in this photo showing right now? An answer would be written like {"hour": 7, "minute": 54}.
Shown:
{"hour": 10, "minute": 3}
